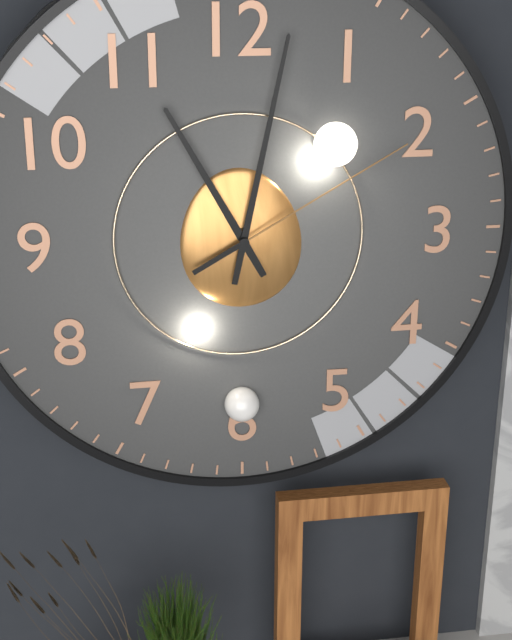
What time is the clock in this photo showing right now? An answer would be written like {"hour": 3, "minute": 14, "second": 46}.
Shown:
{"hour": 11, "minute": 2, "second": 10}
